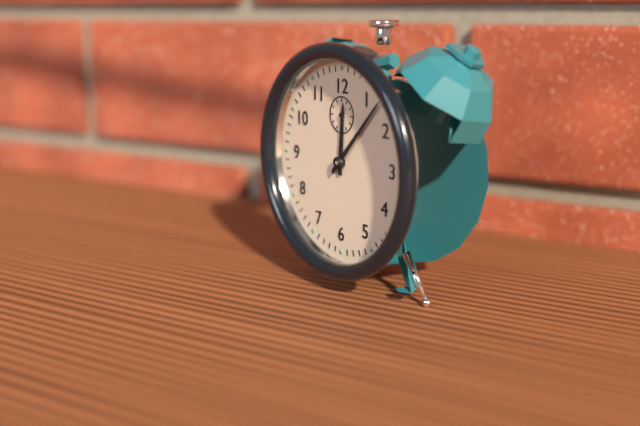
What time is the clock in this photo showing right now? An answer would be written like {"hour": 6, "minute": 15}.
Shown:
{"hour": 12, "minute": 7}
